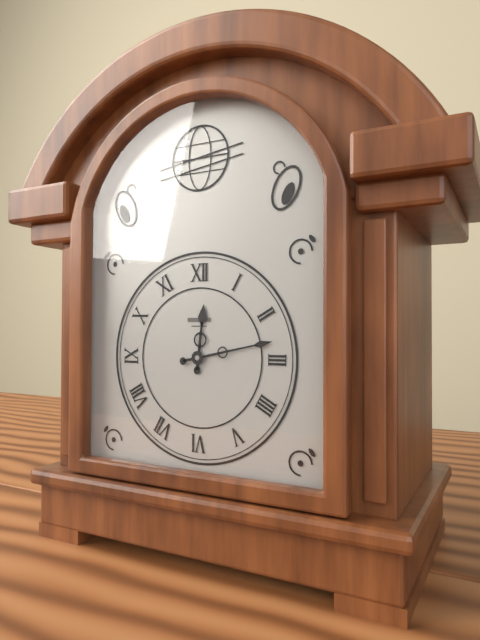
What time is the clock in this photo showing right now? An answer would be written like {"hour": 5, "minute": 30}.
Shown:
{"hour": 12, "minute": 13}
